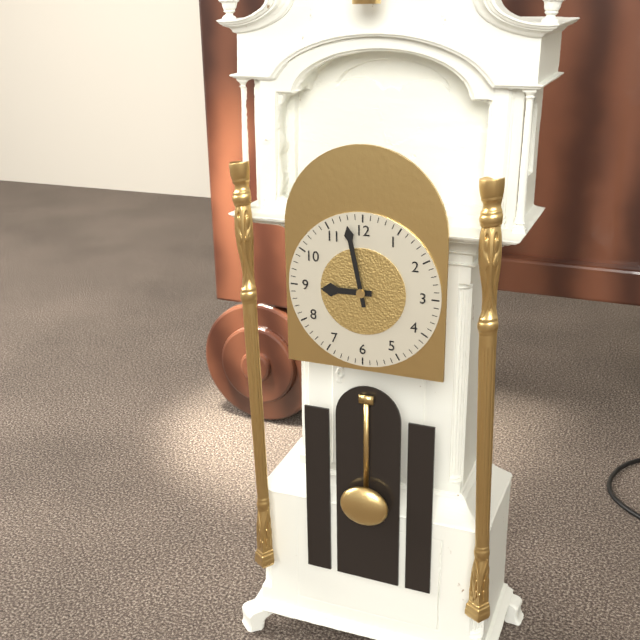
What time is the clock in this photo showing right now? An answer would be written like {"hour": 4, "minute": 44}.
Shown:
{"hour": 8, "minute": 58}
